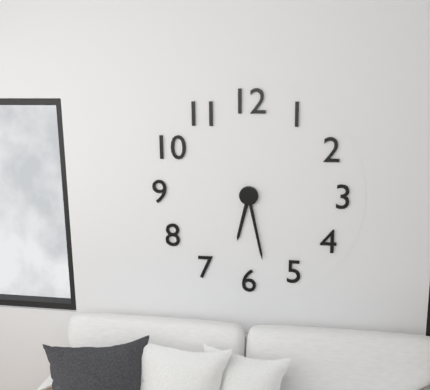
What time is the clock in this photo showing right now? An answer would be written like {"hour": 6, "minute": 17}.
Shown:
{"hour": 6, "minute": 28}
